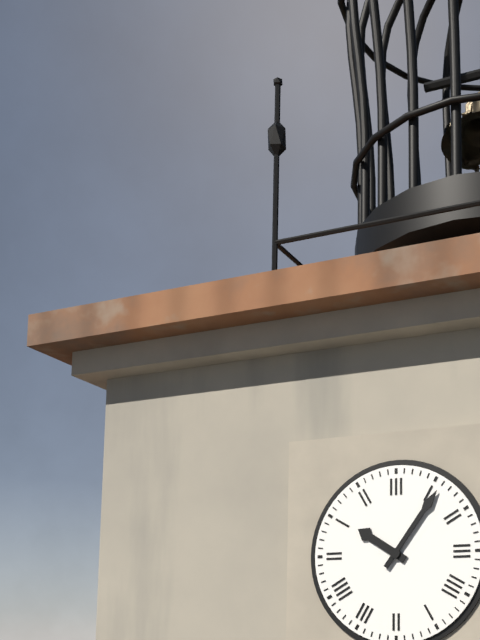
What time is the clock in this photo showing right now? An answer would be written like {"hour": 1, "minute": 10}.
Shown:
{"hour": 10, "minute": 6}
